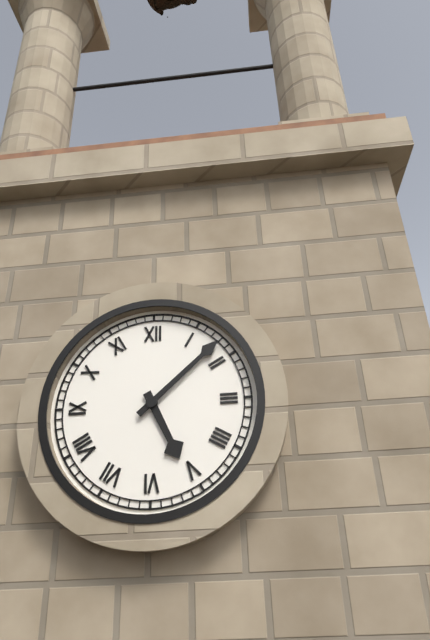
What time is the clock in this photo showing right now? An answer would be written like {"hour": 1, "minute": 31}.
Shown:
{"hour": 5, "minute": 8}
